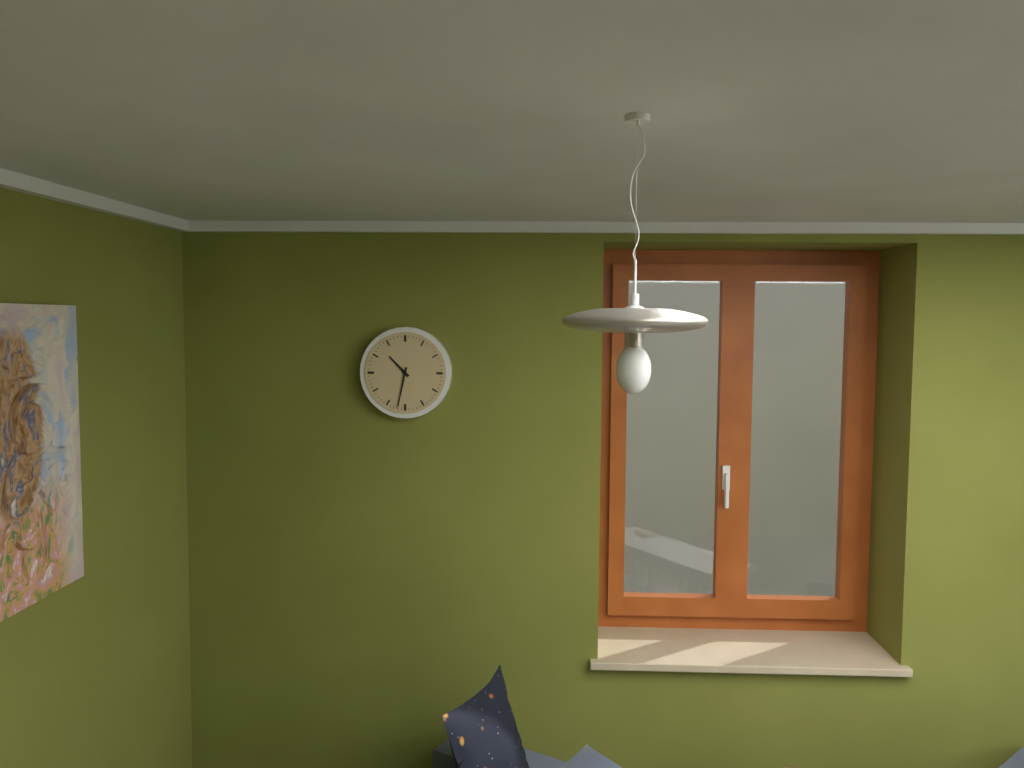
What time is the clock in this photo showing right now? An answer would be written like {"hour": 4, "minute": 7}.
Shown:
{"hour": 10, "minute": 32}
